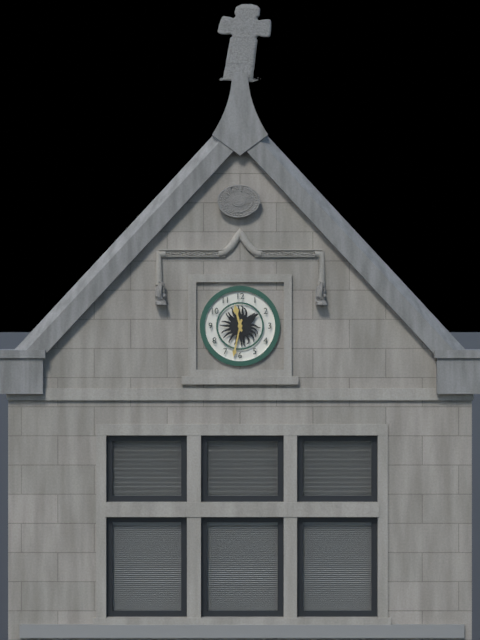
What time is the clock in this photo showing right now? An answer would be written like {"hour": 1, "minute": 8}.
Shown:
{"hour": 11, "minute": 32}
